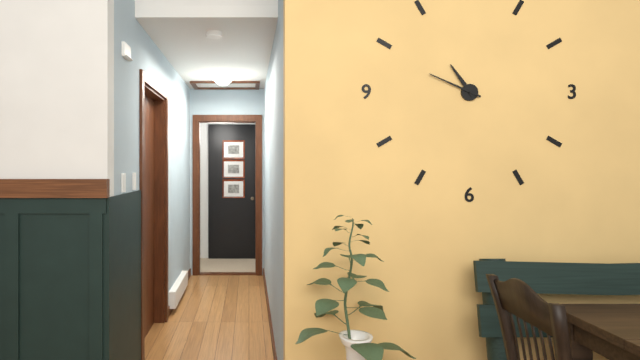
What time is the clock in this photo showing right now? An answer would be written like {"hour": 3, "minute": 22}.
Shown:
{"hour": 10, "minute": 49}
